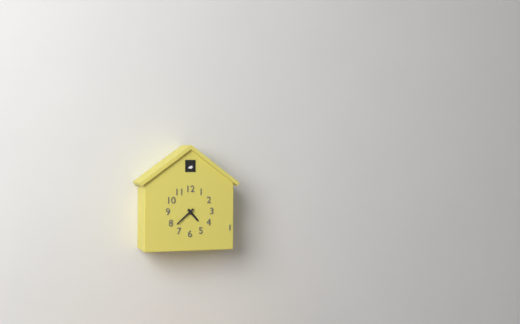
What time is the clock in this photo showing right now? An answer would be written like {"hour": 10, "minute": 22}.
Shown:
{"hour": 4, "minute": 38}
